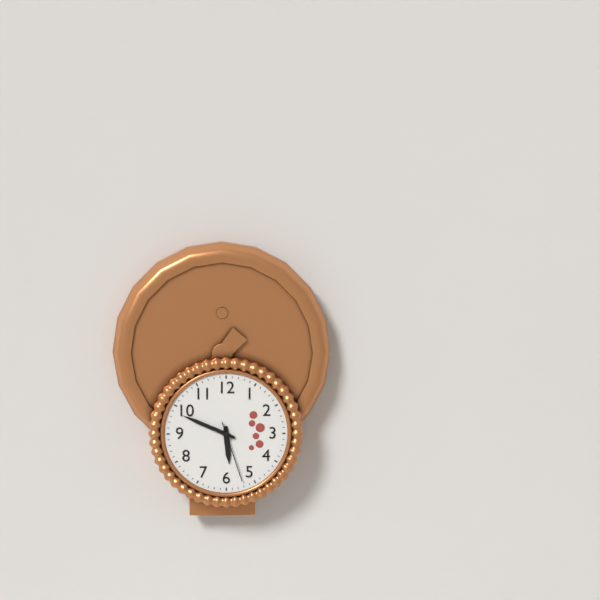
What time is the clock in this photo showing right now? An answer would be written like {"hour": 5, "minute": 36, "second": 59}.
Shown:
{"hour": 5, "minute": 49, "second": 27}
